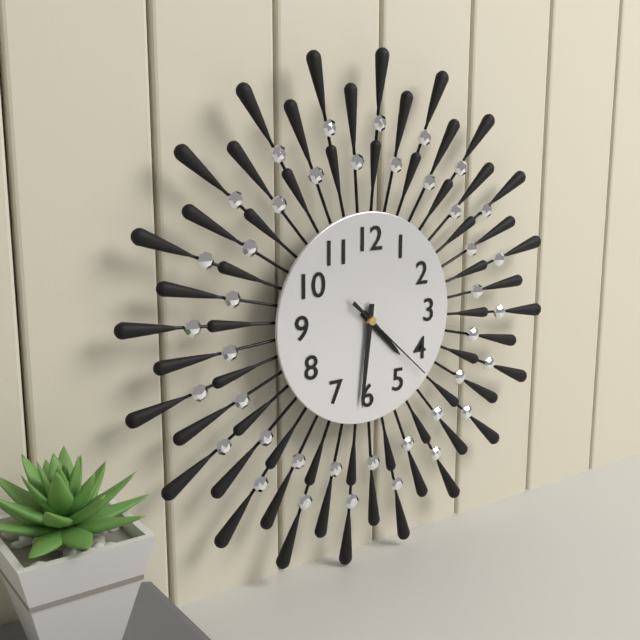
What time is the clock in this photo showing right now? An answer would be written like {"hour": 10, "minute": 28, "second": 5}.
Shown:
{"hour": 4, "minute": 31, "second": 22}
